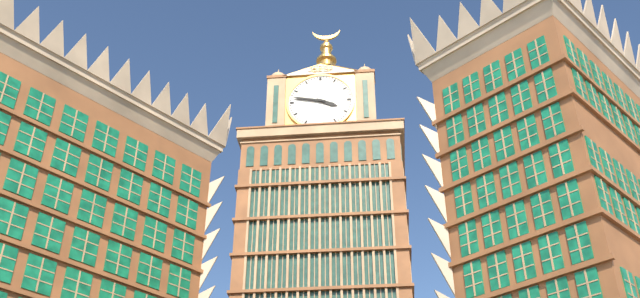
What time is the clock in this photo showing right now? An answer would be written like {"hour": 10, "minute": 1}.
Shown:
{"hour": 3, "minute": 47}
